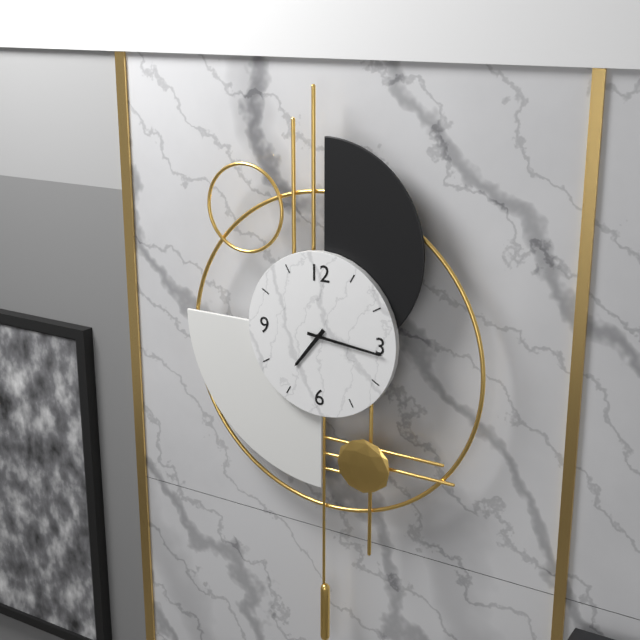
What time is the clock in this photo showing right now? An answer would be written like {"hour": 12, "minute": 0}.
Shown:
{"hour": 7, "minute": 16}
